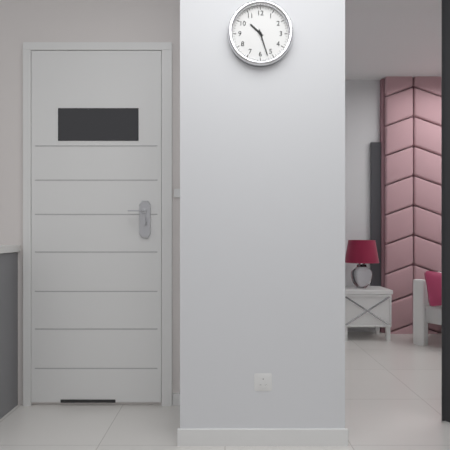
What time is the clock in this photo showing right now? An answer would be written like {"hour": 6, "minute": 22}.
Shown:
{"hour": 10, "minute": 27}
